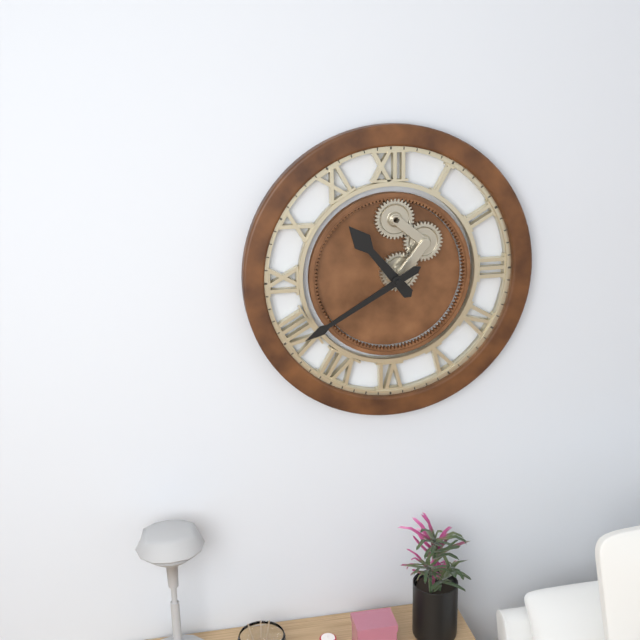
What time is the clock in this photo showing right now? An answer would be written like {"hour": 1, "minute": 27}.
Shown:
{"hour": 10, "minute": 40}
